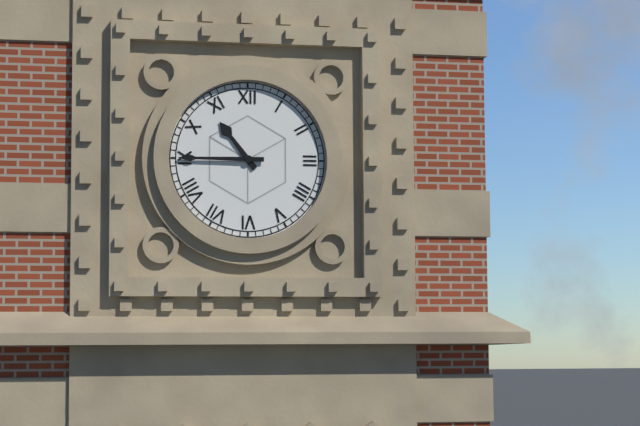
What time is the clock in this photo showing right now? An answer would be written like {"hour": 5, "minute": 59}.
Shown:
{"hour": 10, "minute": 45}
